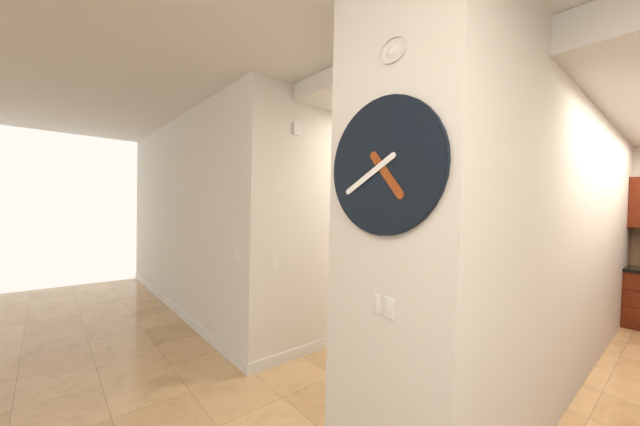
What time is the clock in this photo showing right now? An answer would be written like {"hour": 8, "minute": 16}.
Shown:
{"hour": 4, "minute": 40}
